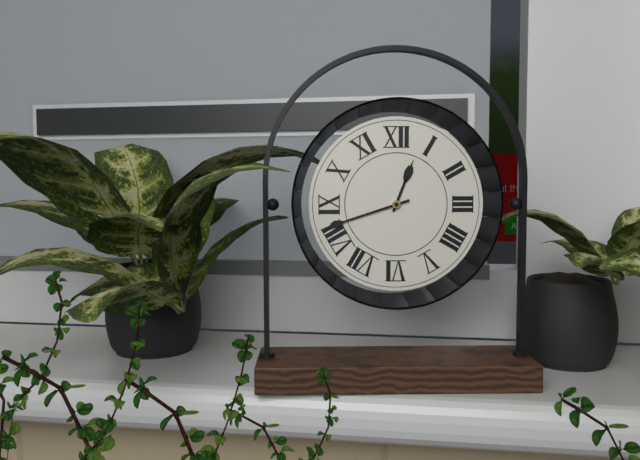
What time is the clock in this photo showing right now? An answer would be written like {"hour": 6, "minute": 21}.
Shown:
{"hour": 12, "minute": 42}
